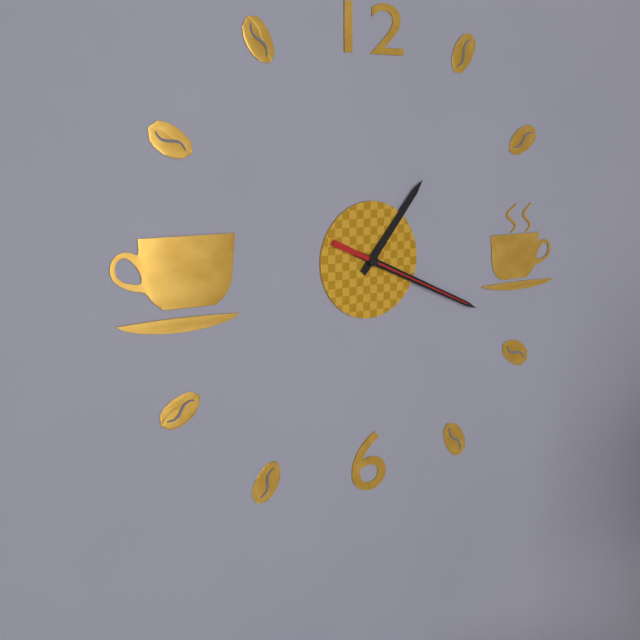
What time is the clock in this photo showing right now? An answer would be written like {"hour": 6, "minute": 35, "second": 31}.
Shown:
{"hour": 1, "minute": 19, "second": 19}
